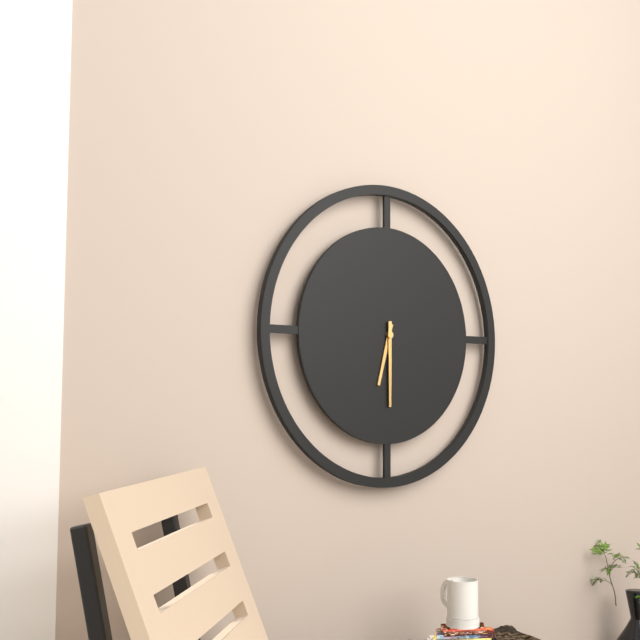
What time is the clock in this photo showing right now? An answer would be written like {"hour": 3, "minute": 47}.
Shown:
{"hour": 6, "minute": 30}
